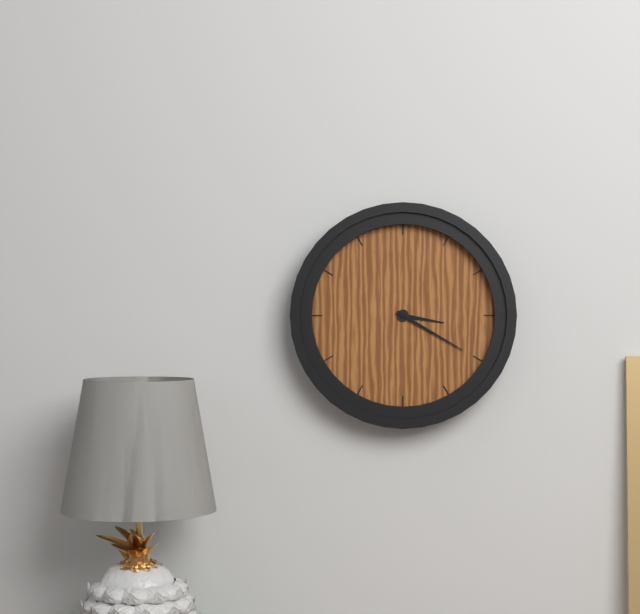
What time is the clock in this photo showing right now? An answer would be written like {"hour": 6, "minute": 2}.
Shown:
{"hour": 3, "minute": 20}
